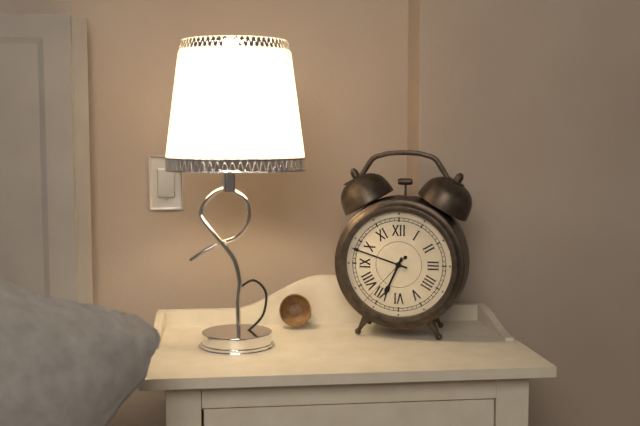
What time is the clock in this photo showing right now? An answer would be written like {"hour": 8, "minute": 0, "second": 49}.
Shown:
{"hour": 6, "minute": 48, "second": 37}
